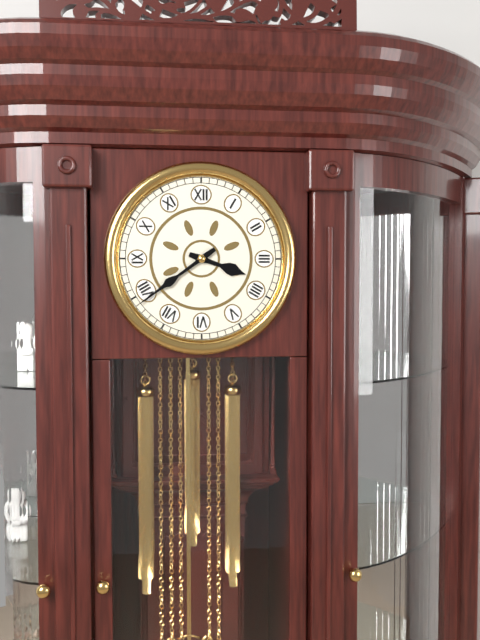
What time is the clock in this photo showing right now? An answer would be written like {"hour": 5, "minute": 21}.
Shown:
{"hour": 3, "minute": 39}
